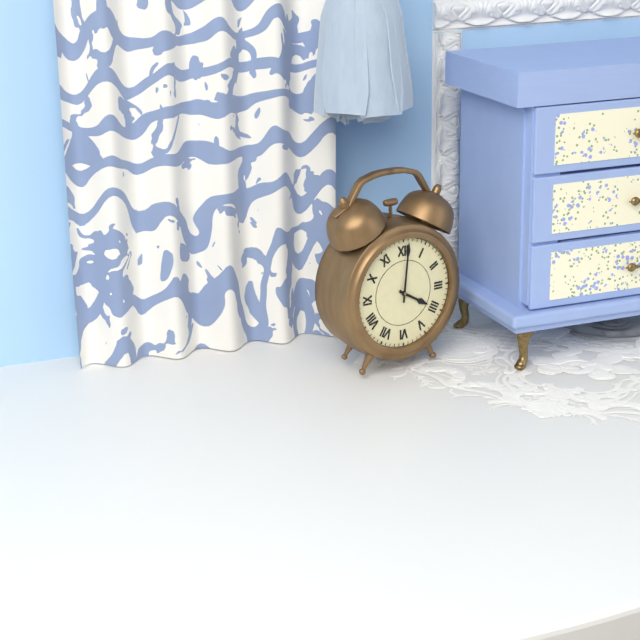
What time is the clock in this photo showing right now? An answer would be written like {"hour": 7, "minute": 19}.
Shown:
{"hour": 4, "minute": 1}
